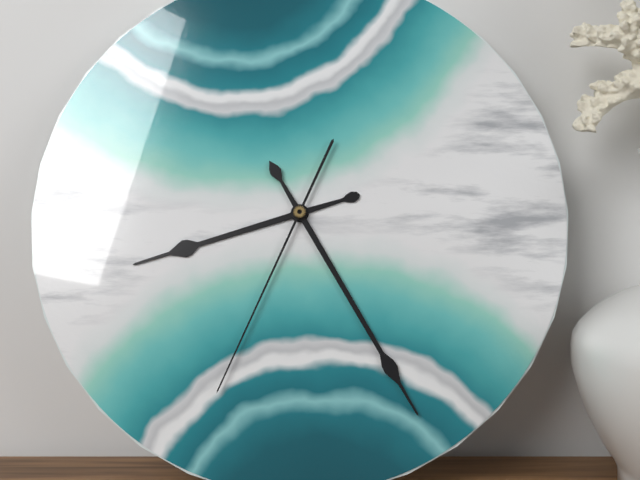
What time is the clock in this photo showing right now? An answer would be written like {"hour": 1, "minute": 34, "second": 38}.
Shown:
{"hour": 8, "minute": 25, "second": 34}
